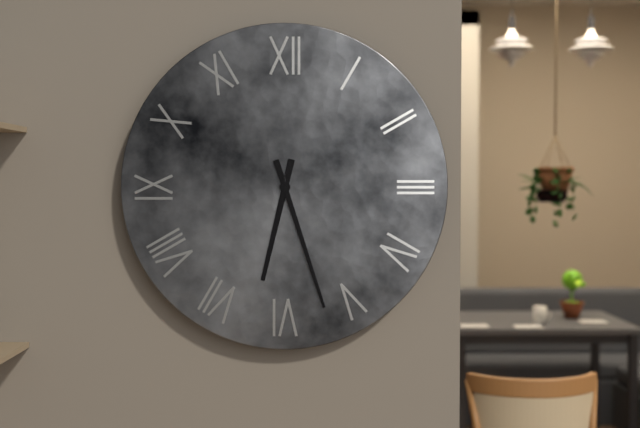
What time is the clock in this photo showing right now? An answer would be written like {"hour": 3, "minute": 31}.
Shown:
{"hour": 6, "minute": 27}
